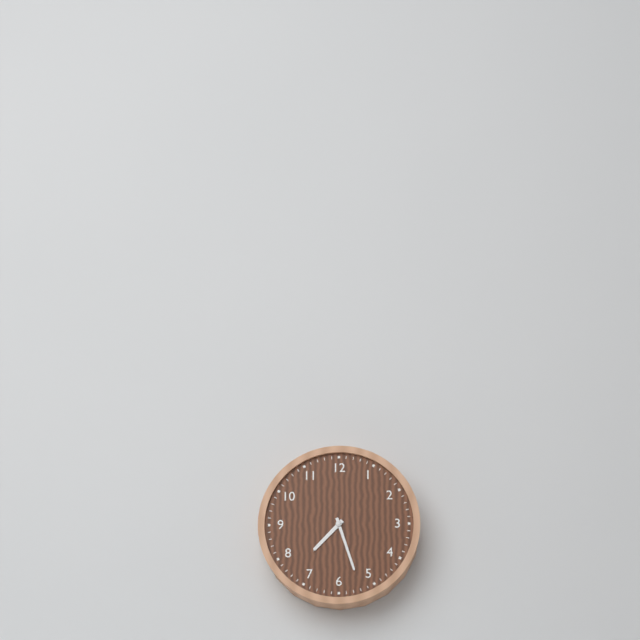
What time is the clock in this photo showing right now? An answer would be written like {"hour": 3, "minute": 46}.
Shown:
{"hour": 7, "minute": 27}
